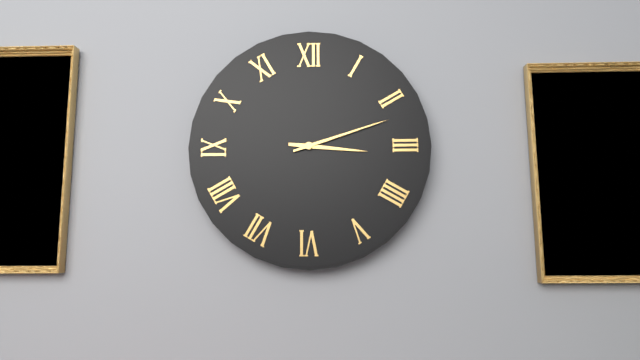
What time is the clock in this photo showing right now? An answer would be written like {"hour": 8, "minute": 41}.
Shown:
{"hour": 3, "minute": 12}
